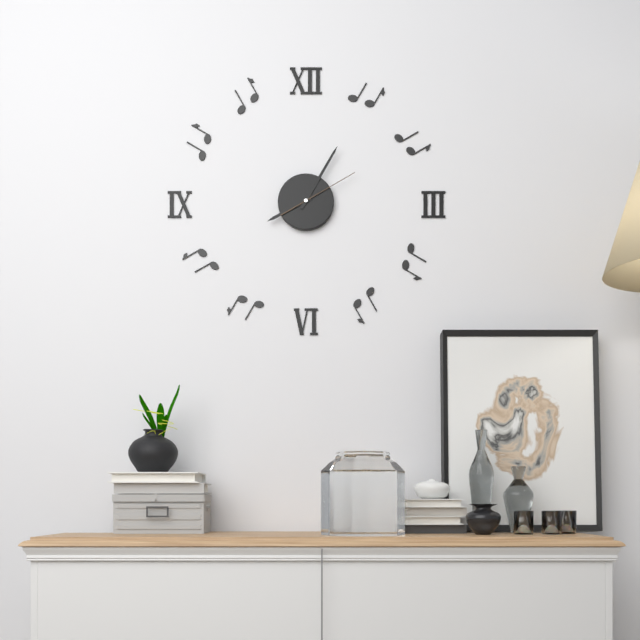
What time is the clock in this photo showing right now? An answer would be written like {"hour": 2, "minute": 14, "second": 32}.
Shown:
{"hour": 8, "minute": 5, "second": 10}
